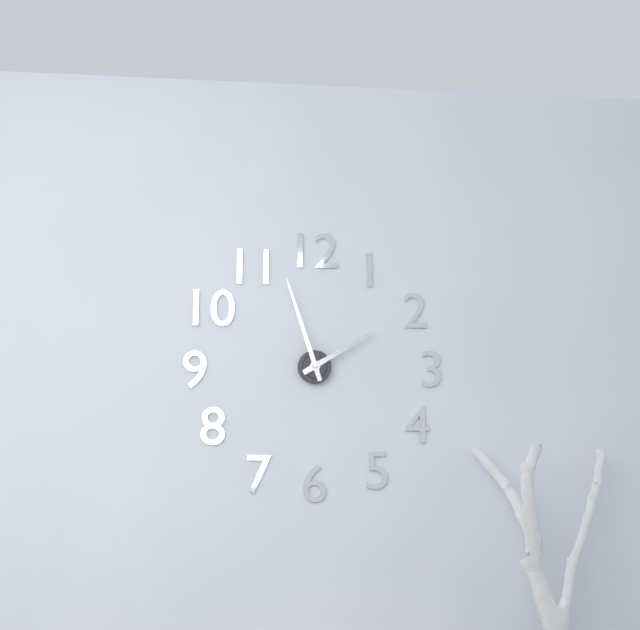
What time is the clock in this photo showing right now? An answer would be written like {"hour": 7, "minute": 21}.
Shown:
{"hour": 1, "minute": 57}
